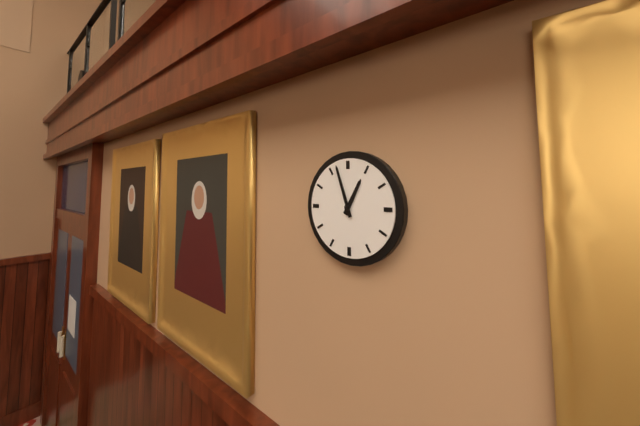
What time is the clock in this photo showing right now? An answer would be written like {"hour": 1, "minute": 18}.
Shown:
{"hour": 12, "minute": 57}
